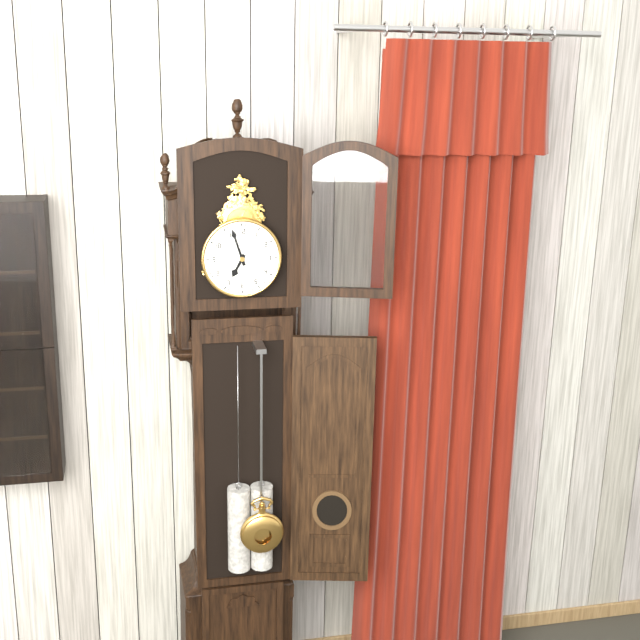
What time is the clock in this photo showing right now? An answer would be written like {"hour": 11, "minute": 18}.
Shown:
{"hour": 6, "minute": 57}
